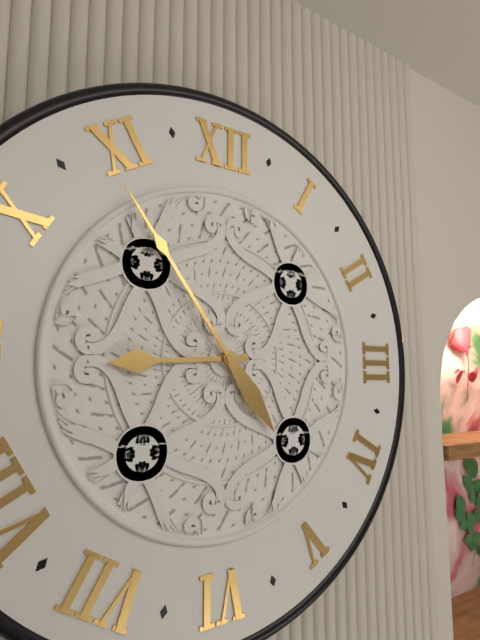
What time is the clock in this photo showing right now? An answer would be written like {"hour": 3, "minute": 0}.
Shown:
{"hour": 8, "minute": 54}
